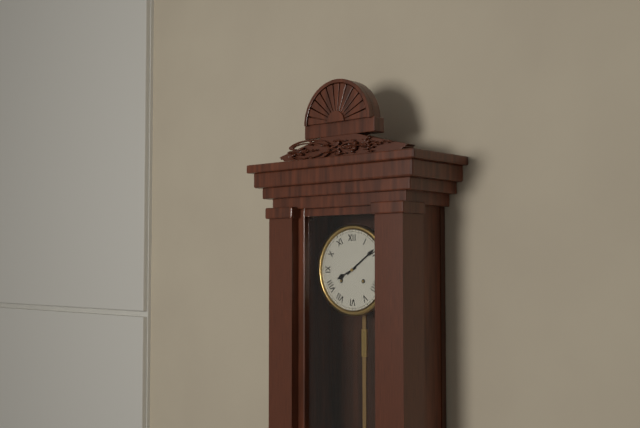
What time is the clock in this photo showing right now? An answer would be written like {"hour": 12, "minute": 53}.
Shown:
{"hour": 8, "minute": 9}
